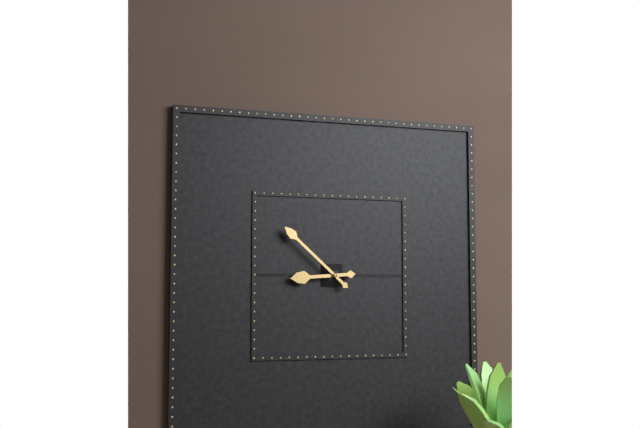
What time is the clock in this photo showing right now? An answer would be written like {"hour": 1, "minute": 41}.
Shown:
{"hour": 8, "minute": 52}
